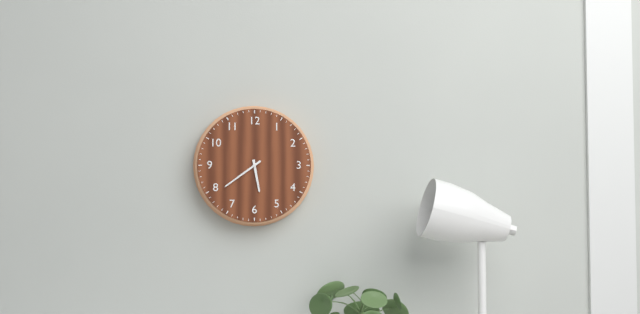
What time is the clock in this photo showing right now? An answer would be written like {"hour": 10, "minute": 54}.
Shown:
{"hour": 5, "minute": 39}
